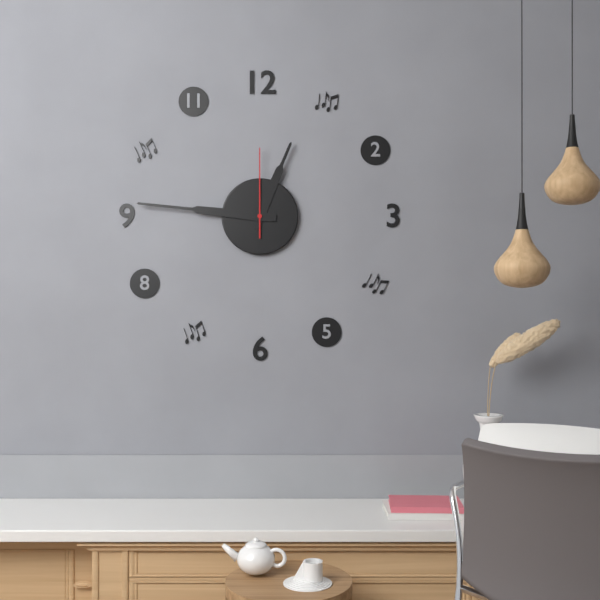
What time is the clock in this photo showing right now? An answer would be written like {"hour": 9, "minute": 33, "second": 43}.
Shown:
{"hour": 12, "minute": 46, "second": 0}
